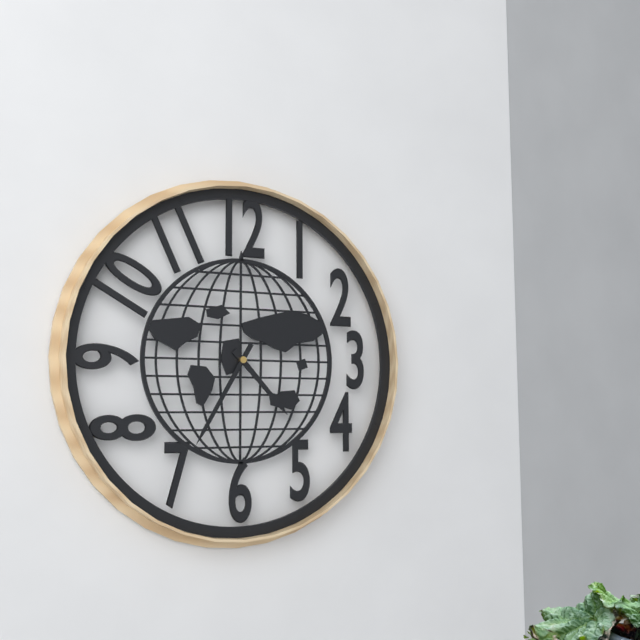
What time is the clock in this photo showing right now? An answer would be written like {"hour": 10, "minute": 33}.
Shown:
{"hour": 4, "minute": 35}
